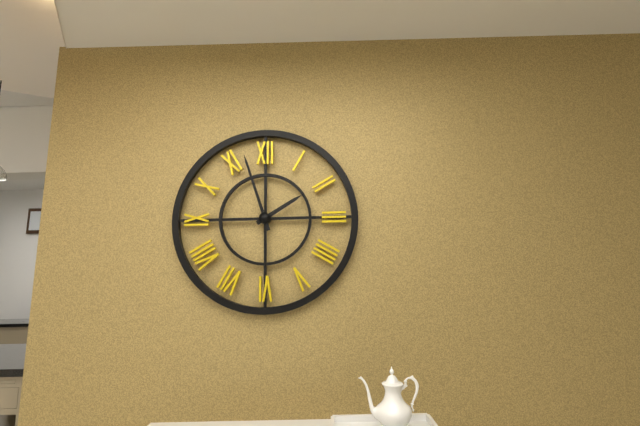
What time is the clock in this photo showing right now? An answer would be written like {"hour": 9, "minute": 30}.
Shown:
{"hour": 1, "minute": 57}
